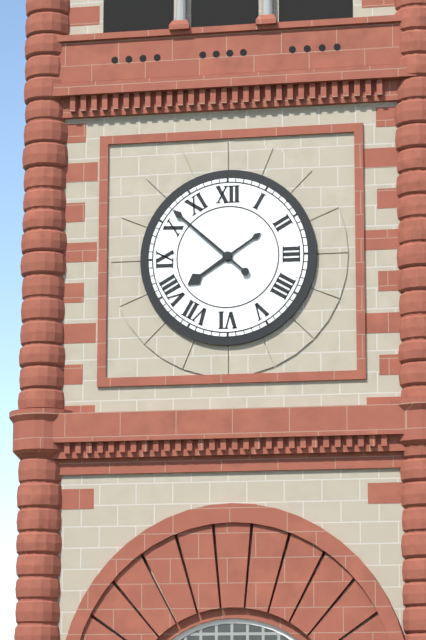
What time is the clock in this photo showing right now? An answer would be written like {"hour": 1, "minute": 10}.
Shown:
{"hour": 7, "minute": 52}
